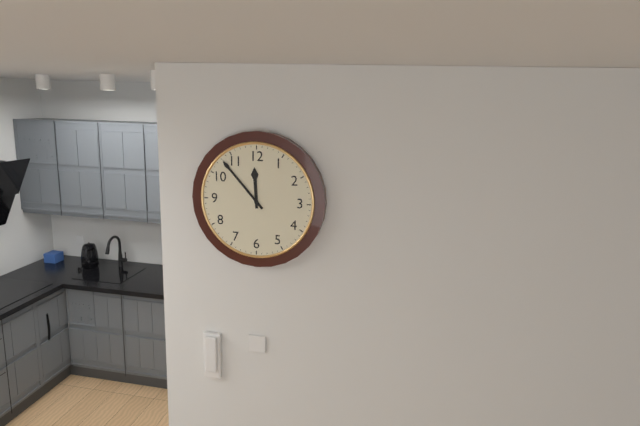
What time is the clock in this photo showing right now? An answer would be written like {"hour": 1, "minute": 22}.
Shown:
{"hour": 11, "minute": 53}
